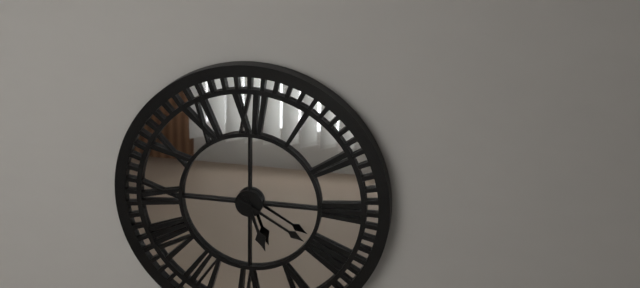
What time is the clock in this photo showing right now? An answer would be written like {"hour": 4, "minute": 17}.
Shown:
{"hour": 5, "minute": 20}
